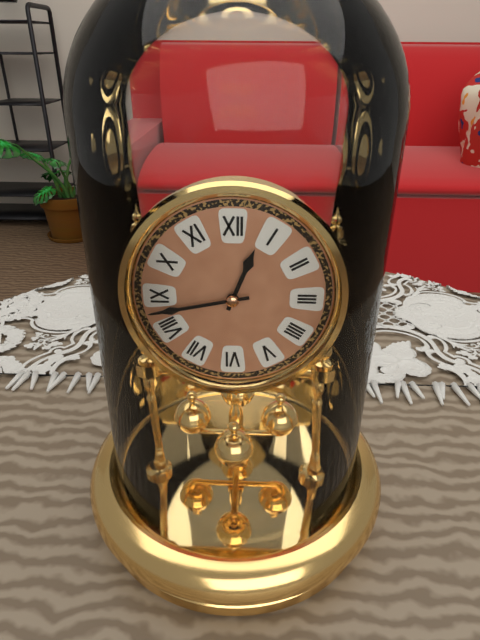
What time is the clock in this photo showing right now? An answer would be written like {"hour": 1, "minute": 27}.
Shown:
{"hour": 12, "minute": 43}
